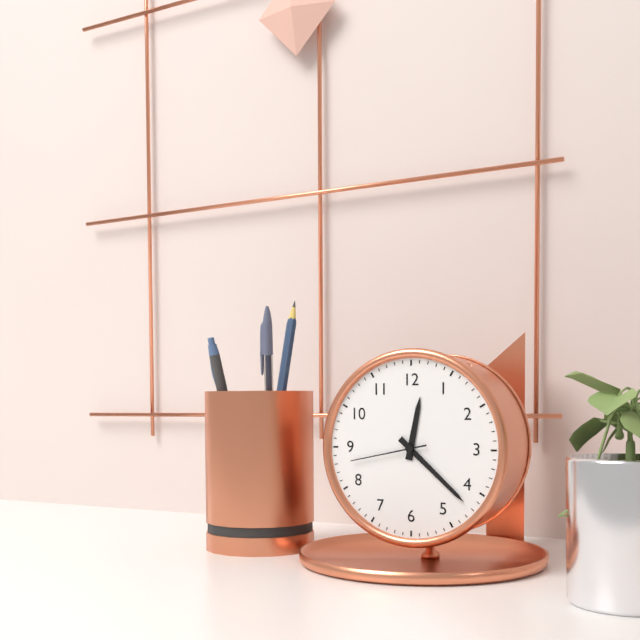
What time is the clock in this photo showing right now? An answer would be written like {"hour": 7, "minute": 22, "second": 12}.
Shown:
{"hour": 12, "minute": 22, "second": 43}
